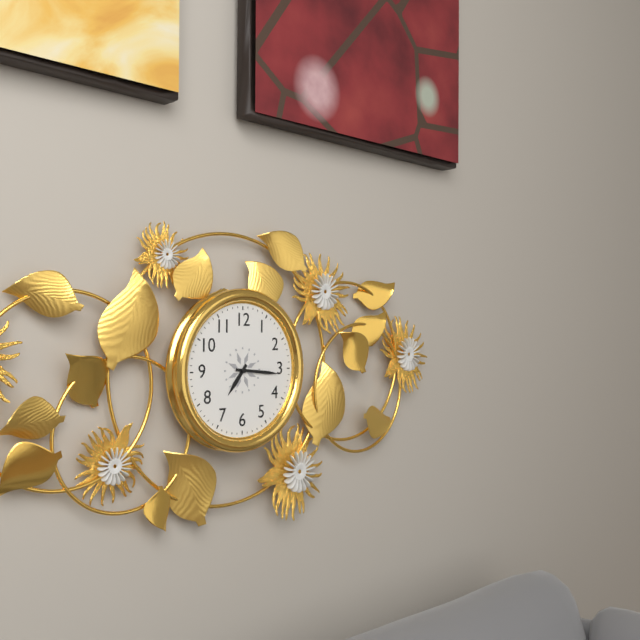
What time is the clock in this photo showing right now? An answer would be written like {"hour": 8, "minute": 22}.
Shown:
{"hour": 7, "minute": 16}
